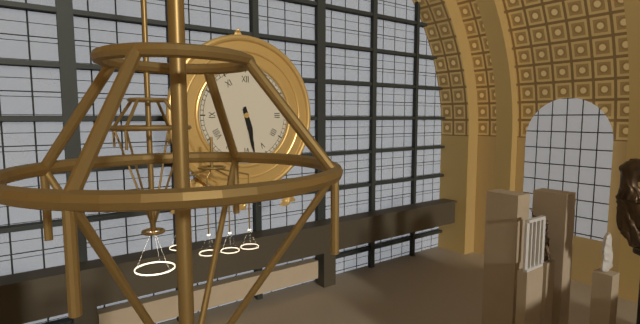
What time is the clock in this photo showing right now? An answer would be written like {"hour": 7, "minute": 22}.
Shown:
{"hour": 5, "minute": 28}
